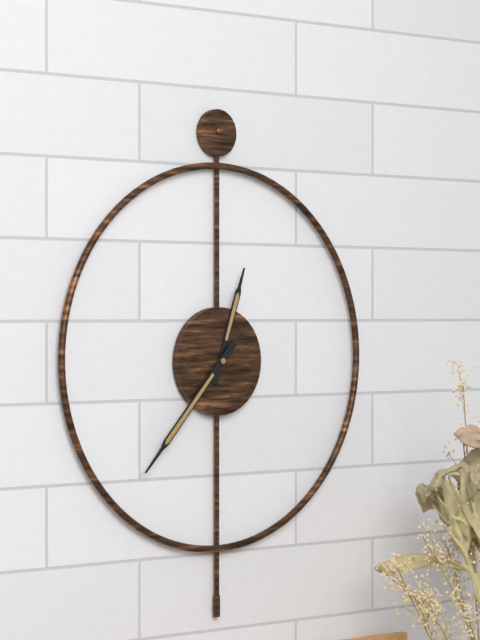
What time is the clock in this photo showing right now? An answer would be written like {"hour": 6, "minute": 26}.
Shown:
{"hour": 12, "minute": 37}
